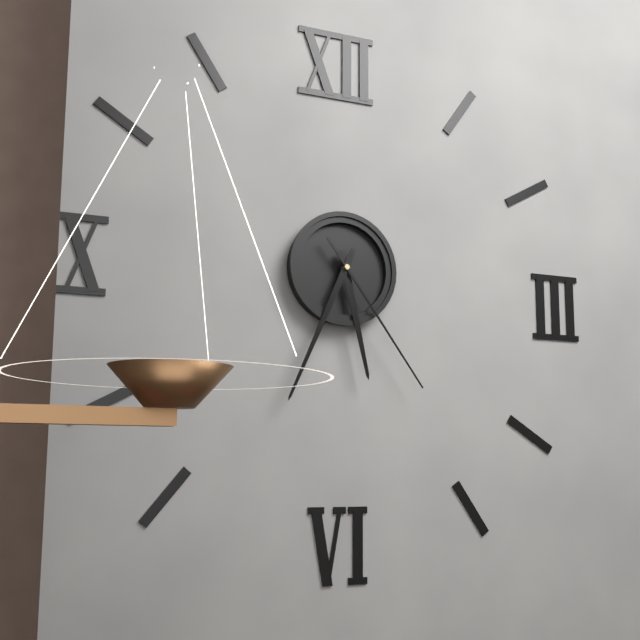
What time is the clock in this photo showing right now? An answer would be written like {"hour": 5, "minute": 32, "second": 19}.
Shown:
{"hour": 5, "minute": 34, "second": 24}
